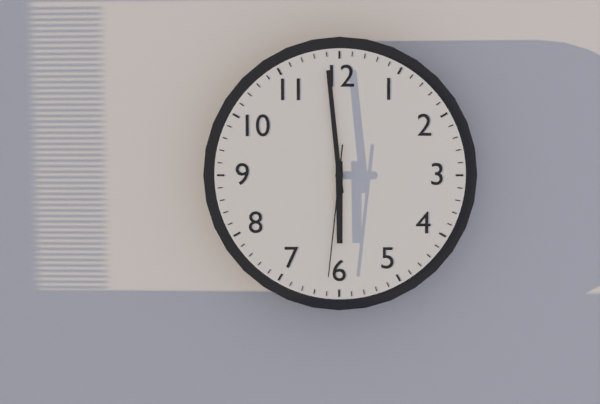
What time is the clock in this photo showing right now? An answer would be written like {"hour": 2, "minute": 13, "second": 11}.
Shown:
{"hour": 5, "minute": 59, "second": 31}
